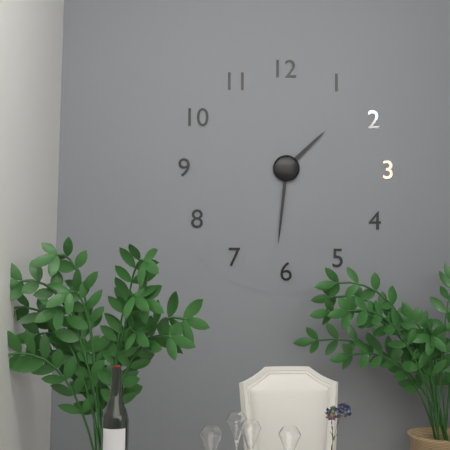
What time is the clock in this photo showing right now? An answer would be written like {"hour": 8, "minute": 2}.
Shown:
{"hour": 1, "minute": 31}
